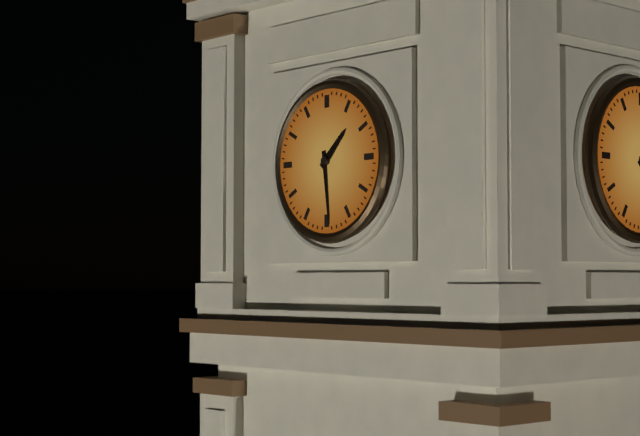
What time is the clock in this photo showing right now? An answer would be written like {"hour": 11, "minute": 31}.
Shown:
{"hour": 1, "minute": 29}
